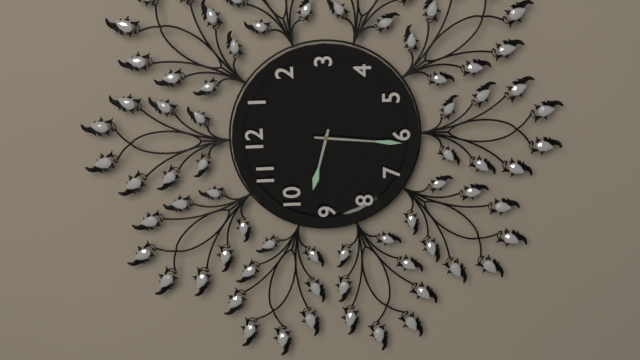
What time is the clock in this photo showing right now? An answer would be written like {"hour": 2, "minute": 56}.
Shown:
{"hour": 9, "minute": 31}
